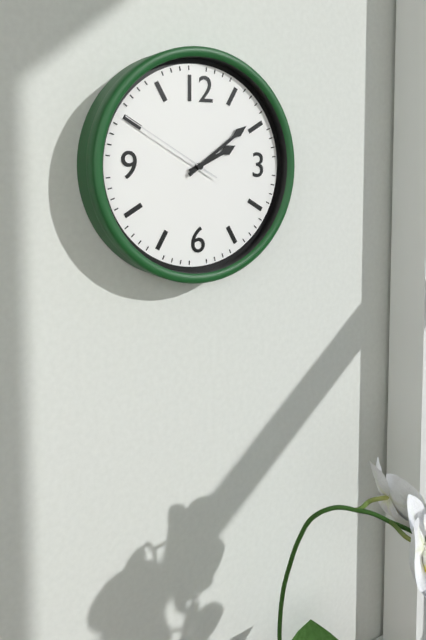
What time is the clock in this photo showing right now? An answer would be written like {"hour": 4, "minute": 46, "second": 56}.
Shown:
{"hour": 2, "minute": 9, "second": 50}
